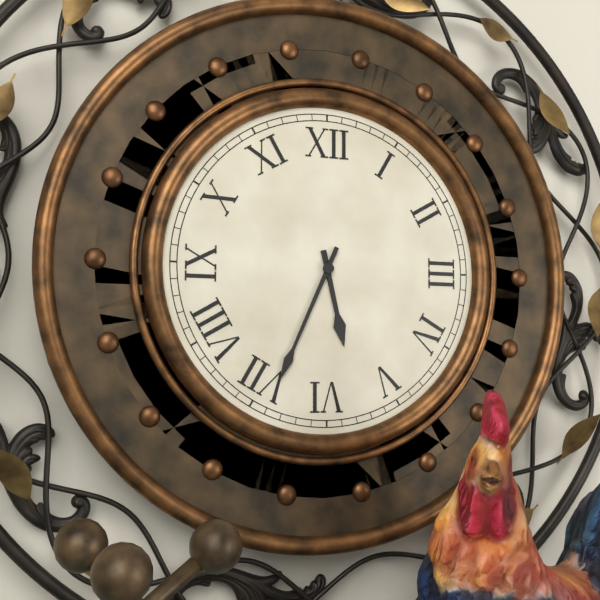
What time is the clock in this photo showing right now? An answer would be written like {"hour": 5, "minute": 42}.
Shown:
{"hour": 5, "minute": 34}
